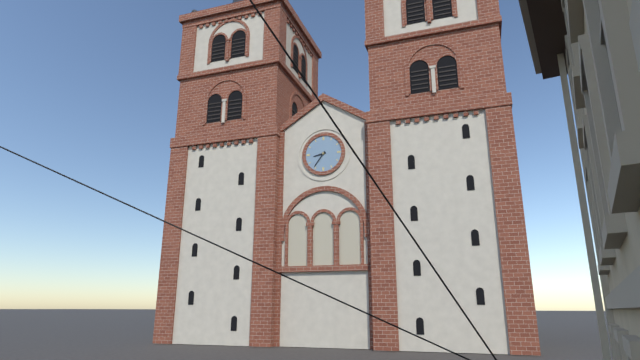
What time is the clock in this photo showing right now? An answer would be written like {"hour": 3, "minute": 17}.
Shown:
{"hour": 8, "minute": 36}
